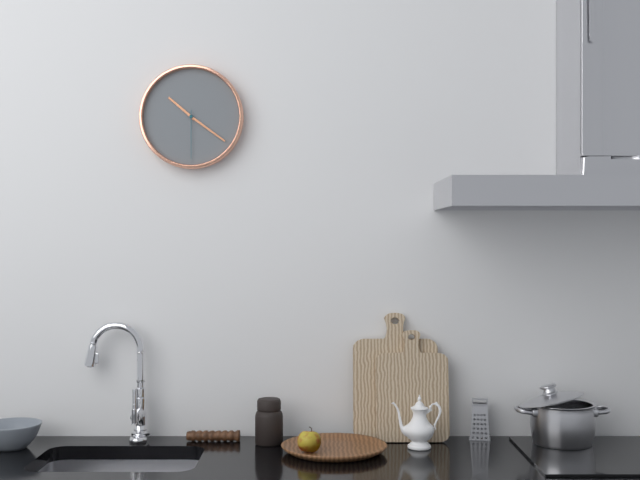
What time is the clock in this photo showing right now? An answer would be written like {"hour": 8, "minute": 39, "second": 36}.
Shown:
{"hour": 10, "minute": 21, "second": 30}
